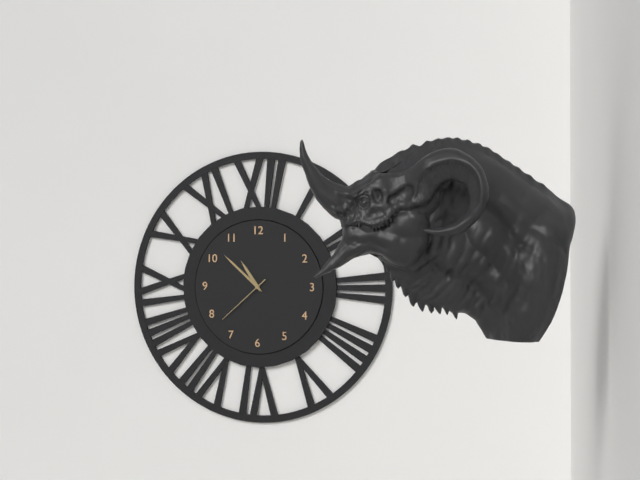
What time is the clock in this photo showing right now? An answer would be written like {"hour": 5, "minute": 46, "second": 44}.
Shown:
{"hour": 10, "minute": 52, "second": 38}
